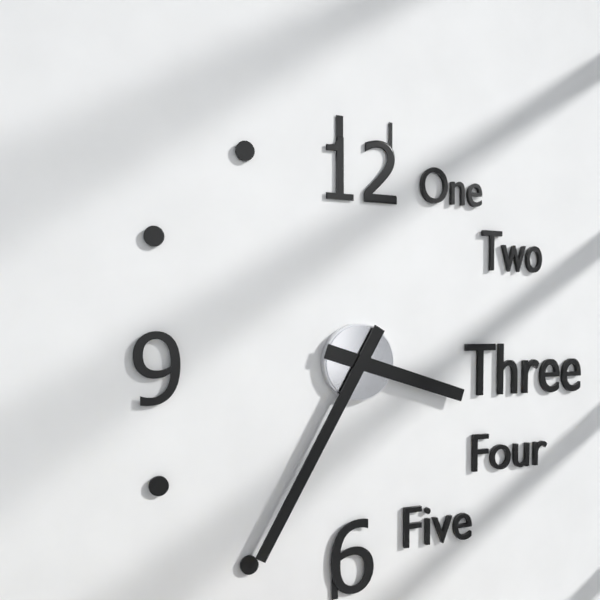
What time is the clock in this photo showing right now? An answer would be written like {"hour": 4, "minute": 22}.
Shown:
{"hour": 3, "minute": 35}
